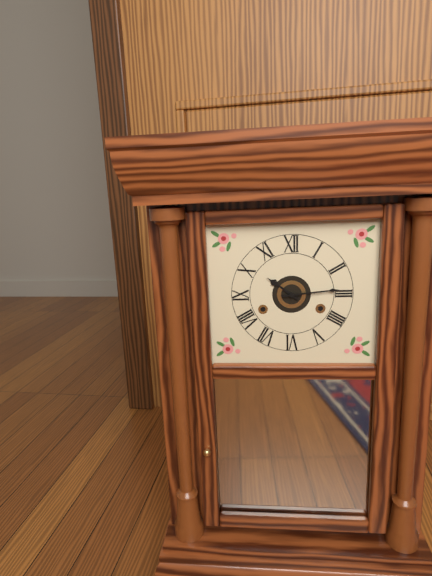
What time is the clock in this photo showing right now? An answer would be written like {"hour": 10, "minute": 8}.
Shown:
{"hour": 10, "minute": 14}
